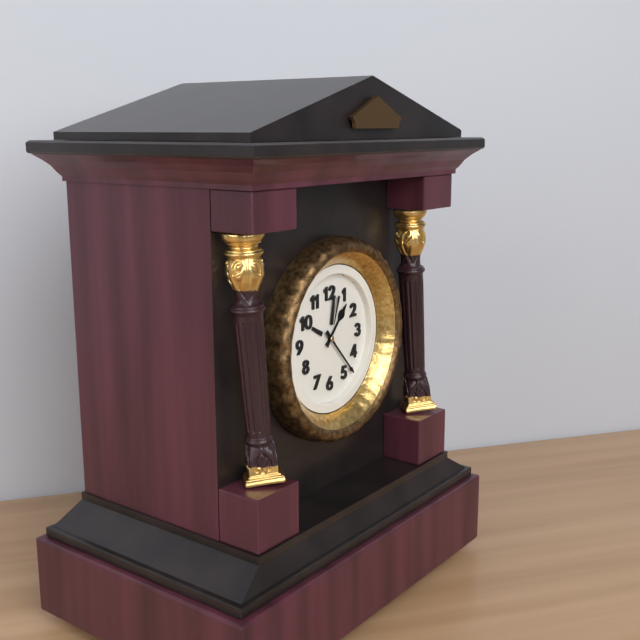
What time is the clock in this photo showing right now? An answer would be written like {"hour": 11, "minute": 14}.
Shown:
{"hour": 1, "minute": 23}
